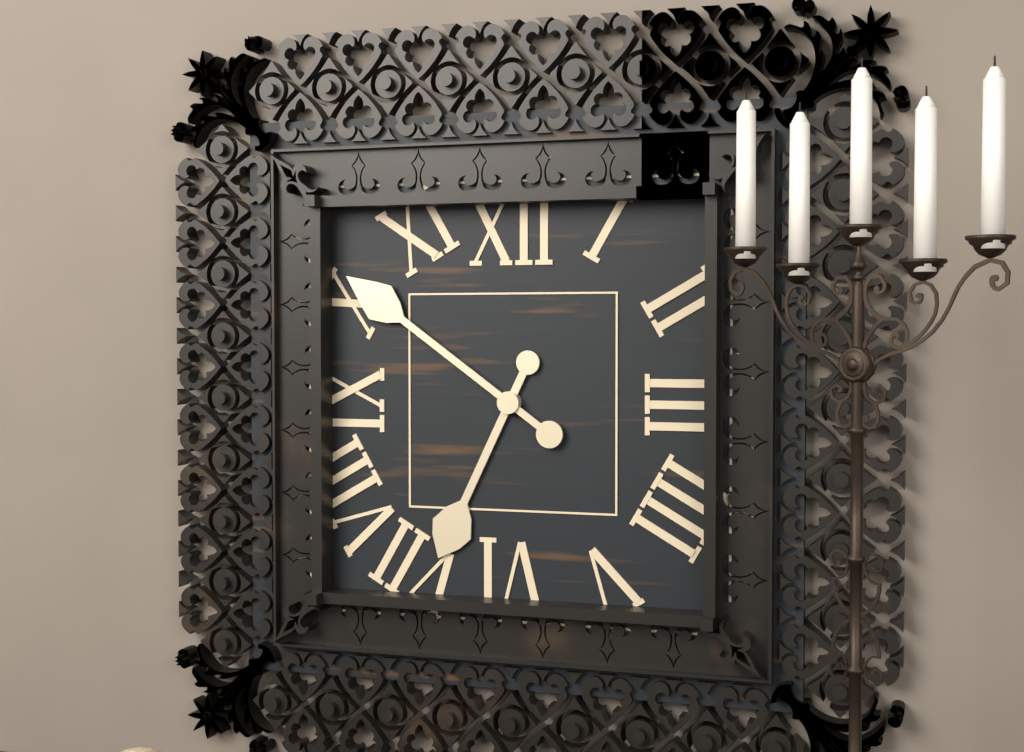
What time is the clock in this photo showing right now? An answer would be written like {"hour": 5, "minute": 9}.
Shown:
{"hour": 6, "minute": 51}
